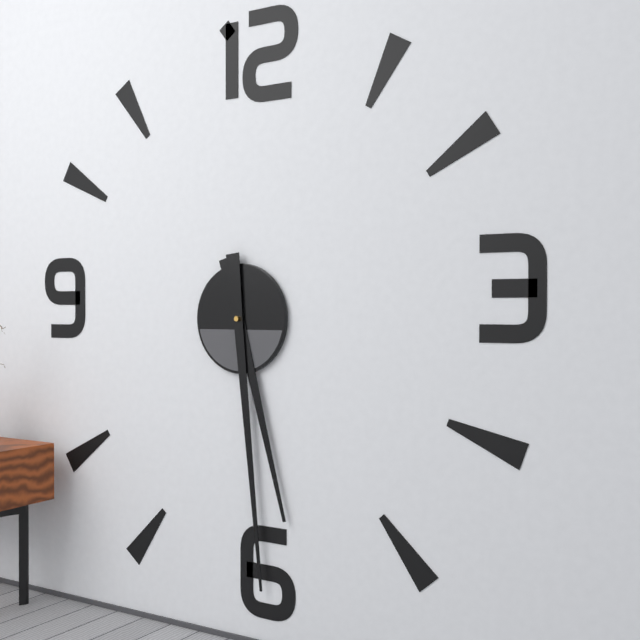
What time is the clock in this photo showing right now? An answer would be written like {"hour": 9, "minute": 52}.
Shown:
{"hour": 5, "minute": 29}
